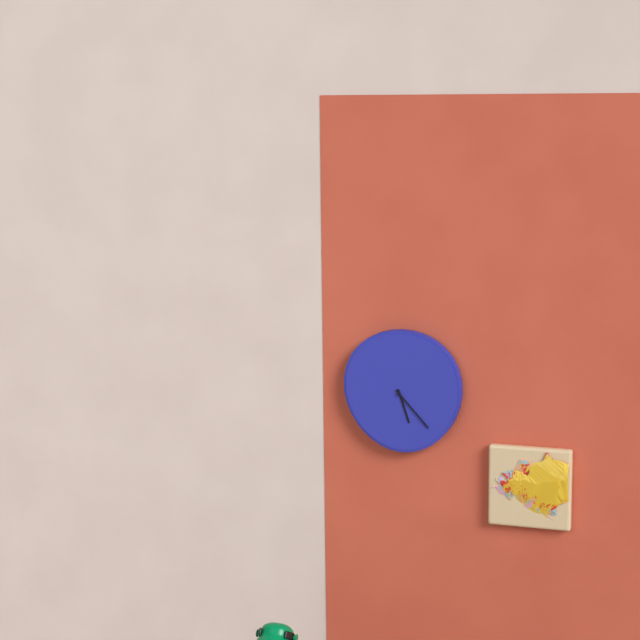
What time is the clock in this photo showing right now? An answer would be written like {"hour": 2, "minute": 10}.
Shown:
{"hour": 5, "minute": 23}
